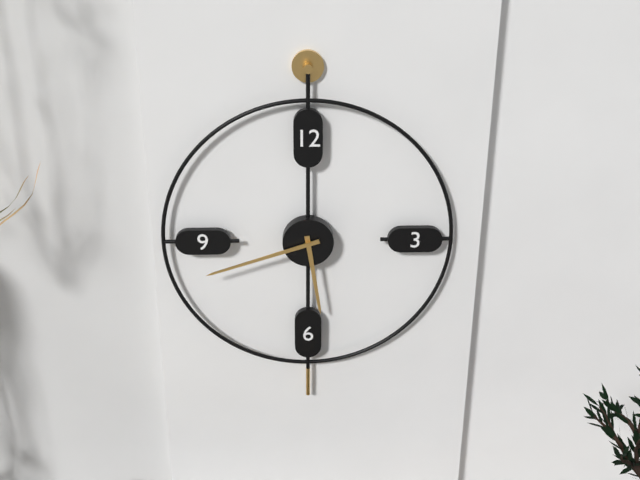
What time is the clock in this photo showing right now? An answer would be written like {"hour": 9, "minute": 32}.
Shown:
{"hour": 5, "minute": 42}
